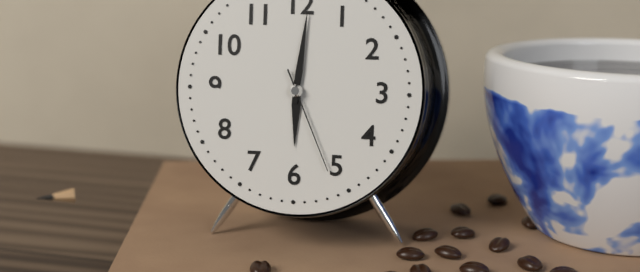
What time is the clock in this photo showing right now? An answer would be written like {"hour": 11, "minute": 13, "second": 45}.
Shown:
{"hour": 6, "minute": 1, "second": 26}
